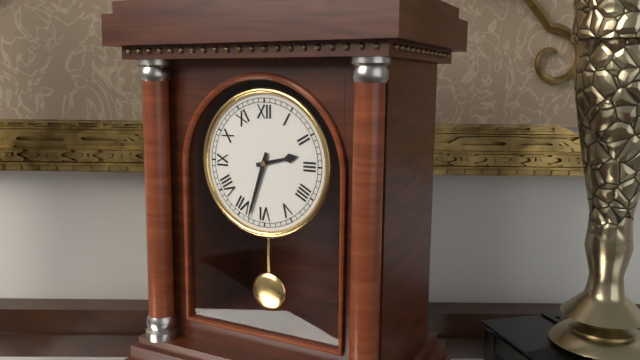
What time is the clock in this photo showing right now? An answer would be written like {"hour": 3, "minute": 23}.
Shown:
{"hour": 2, "minute": 33}
